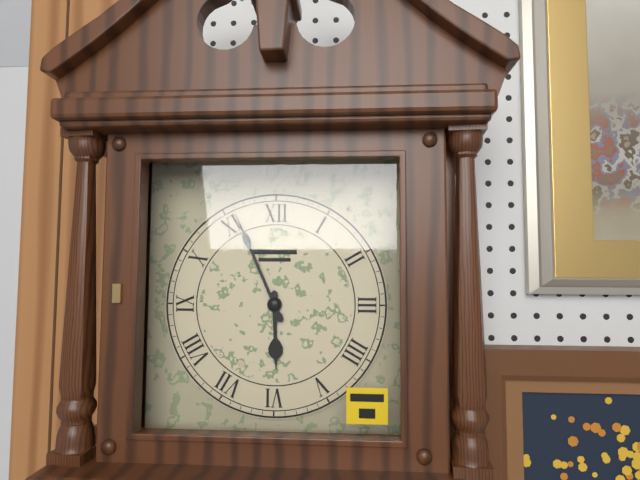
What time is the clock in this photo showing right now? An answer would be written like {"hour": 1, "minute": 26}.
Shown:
{"hour": 5, "minute": 56}
